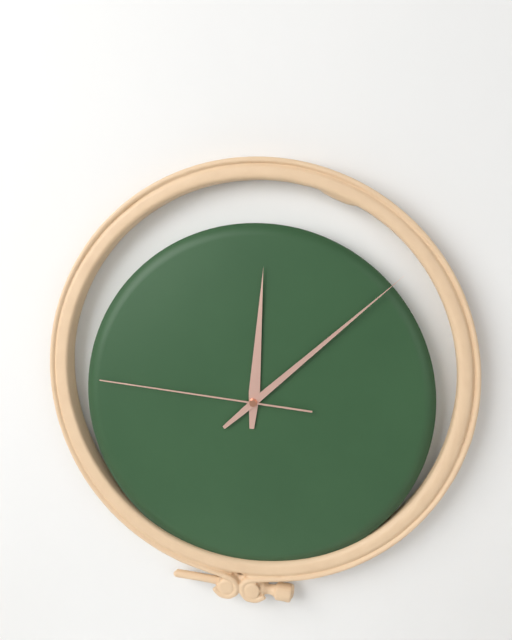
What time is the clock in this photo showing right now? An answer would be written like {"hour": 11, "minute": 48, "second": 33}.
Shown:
{"hour": 12, "minute": 8, "second": 46}
